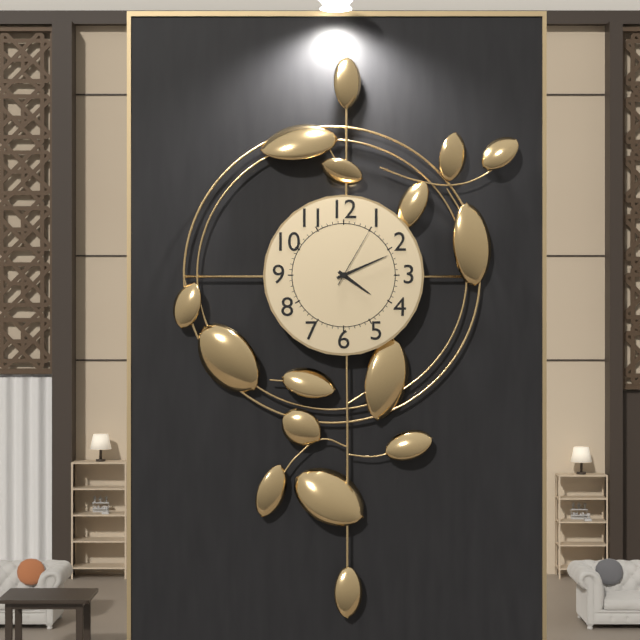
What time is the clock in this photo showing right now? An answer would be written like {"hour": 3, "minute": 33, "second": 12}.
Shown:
{"hour": 4, "minute": 11, "second": 5}
